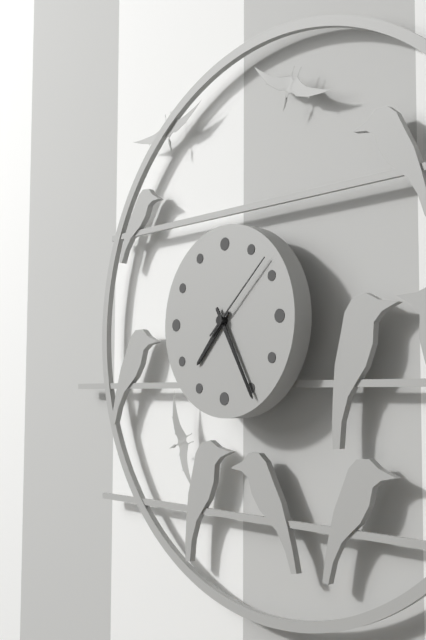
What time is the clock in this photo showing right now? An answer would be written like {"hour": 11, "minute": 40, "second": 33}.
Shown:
{"hour": 7, "minute": 25, "second": 8}
